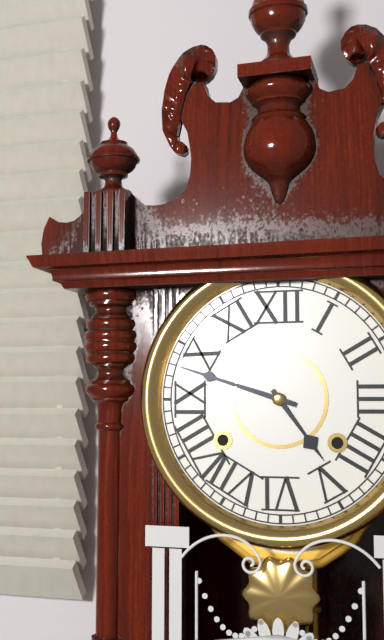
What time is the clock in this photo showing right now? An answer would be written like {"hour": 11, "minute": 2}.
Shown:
{"hour": 4, "minute": 48}
